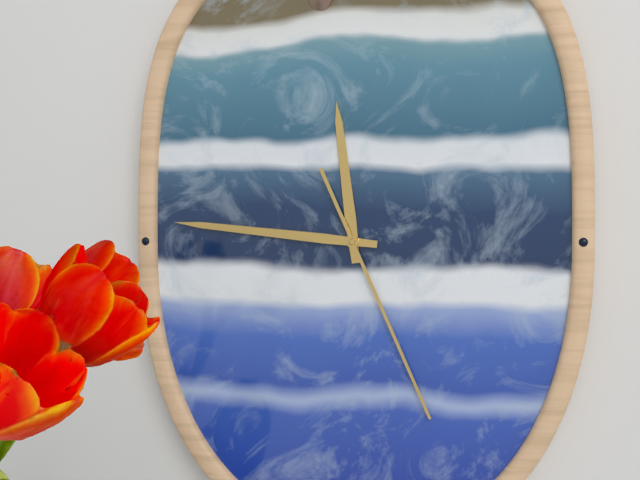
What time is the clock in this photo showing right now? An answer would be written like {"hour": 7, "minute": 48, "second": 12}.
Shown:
{"hour": 11, "minute": 46, "second": 26}
